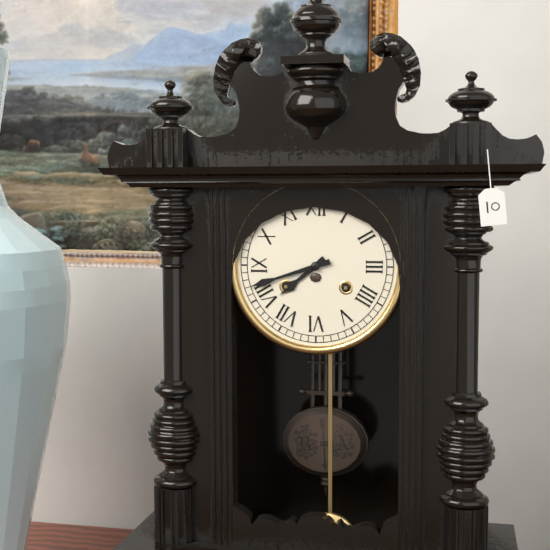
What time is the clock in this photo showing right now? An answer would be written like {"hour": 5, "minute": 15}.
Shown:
{"hour": 7, "minute": 42}
